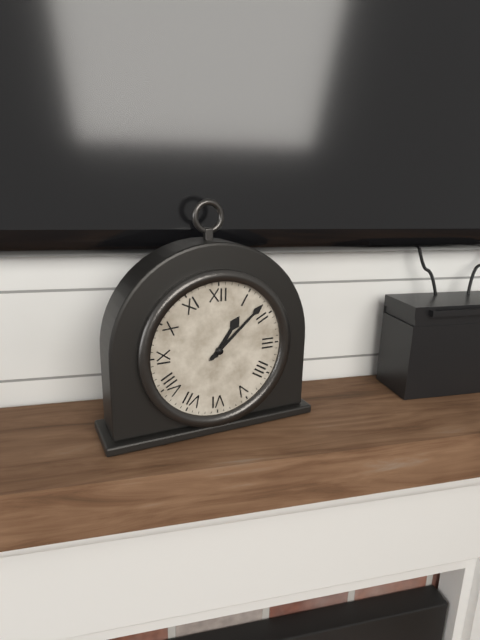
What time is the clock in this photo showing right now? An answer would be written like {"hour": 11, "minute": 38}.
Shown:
{"hour": 1, "minute": 8}
